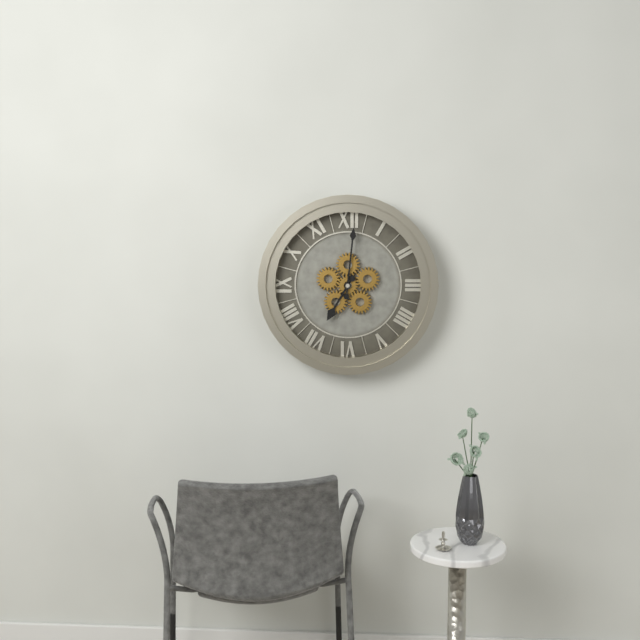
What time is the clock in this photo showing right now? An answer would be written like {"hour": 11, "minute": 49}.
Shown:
{"hour": 7, "minute": 1}
